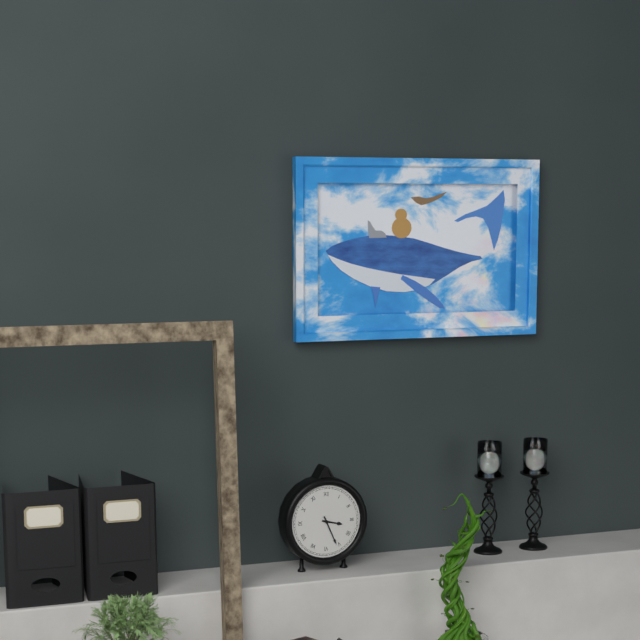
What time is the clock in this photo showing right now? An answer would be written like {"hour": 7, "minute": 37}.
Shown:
{"hour": 3, "minute": 26}
